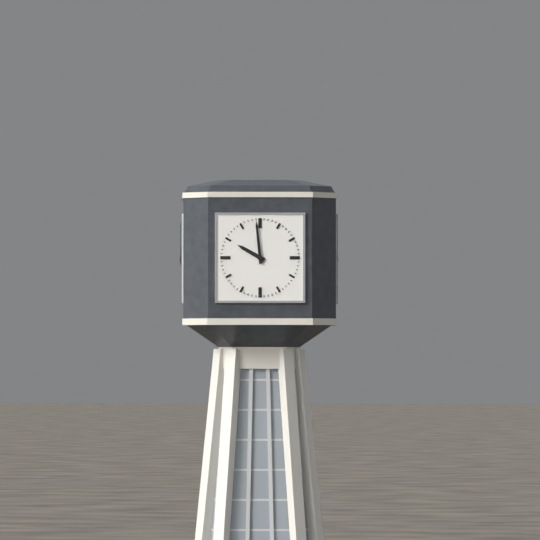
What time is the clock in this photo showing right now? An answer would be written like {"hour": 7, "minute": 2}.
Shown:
{"hour": 9, "minute": 59}
